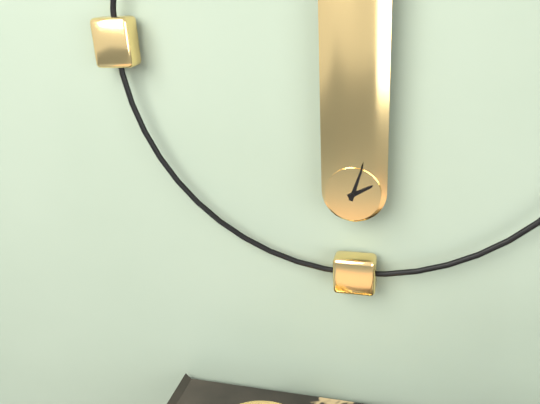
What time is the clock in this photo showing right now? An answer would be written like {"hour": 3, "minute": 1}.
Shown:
{"hour": 2, "minute": 3}
